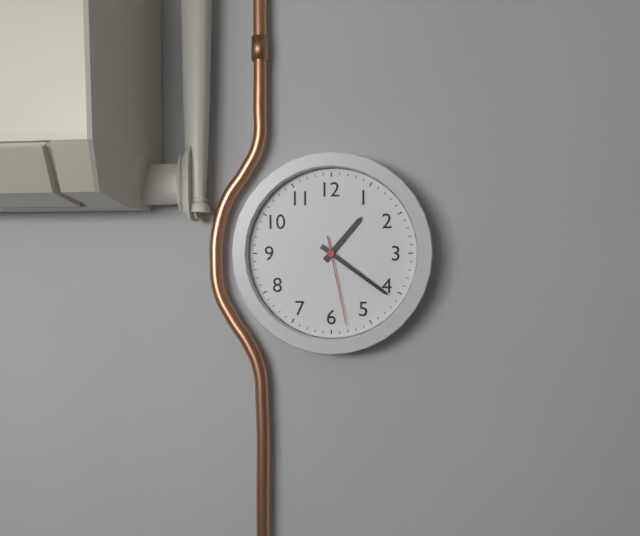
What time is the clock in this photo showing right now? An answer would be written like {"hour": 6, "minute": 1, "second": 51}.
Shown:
{"hour": 1, "minute": 21, "second": 28}
